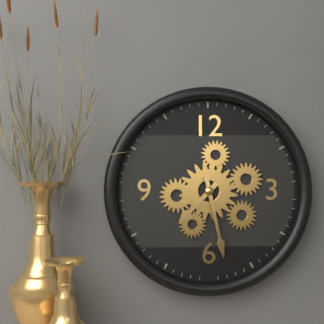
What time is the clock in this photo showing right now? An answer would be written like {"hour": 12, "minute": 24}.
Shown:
{"hour": 7, "minute": 28}
